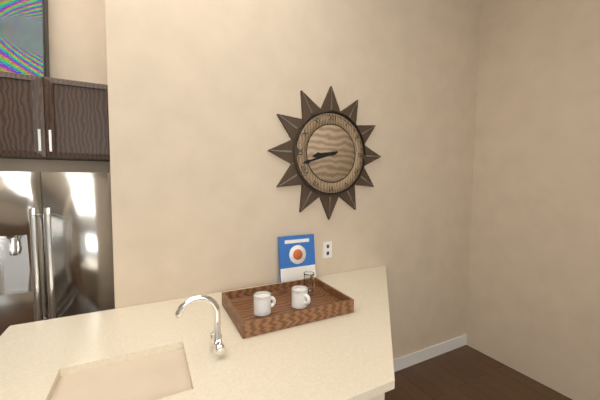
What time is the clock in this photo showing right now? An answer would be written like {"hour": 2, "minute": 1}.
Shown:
{"hour": 8, "minute": 42}
